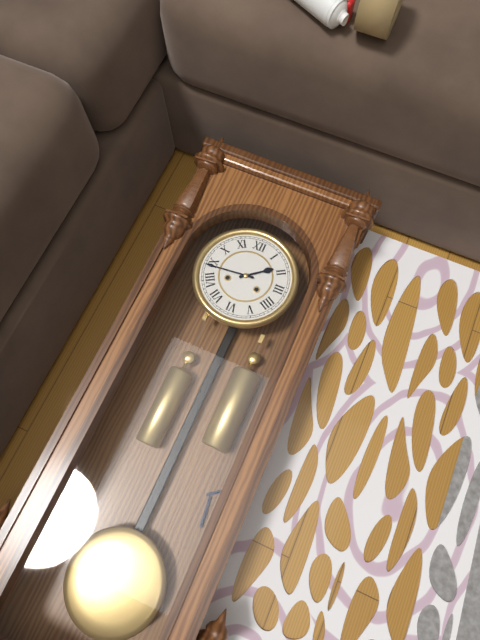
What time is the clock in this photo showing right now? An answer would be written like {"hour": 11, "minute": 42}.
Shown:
{"hour": 1, "minute": 44}
